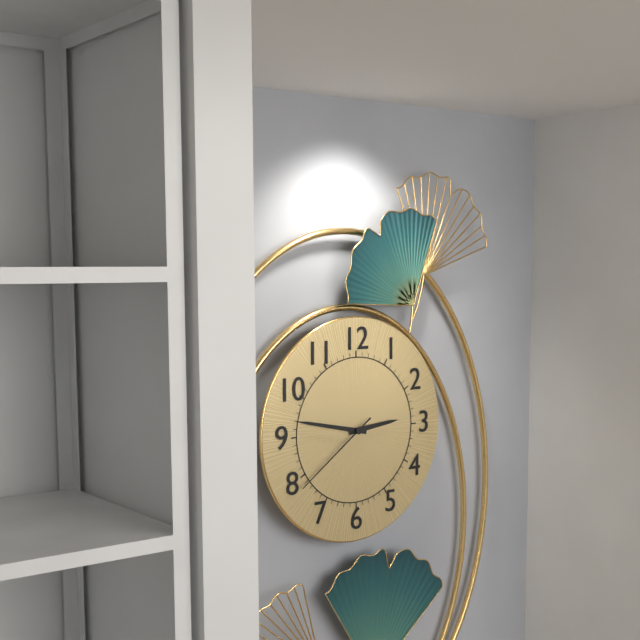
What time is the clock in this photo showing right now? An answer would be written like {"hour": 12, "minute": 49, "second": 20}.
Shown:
{"hour": 2, "minute": 47, "second": 39}
